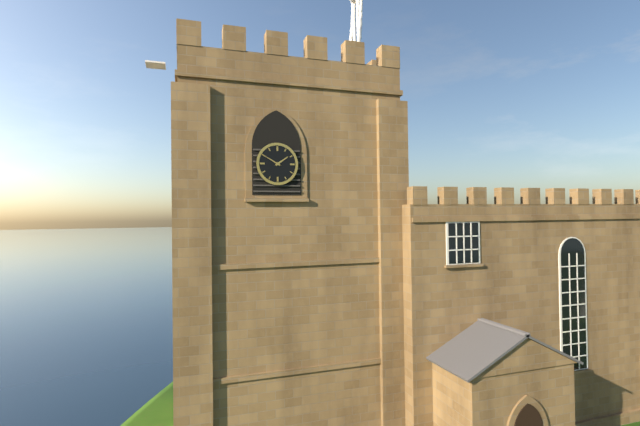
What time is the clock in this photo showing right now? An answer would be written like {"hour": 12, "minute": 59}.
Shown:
{"hour": 1, "minute": 50}
